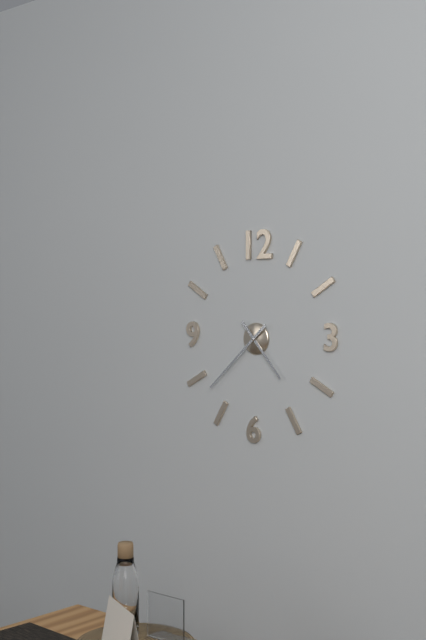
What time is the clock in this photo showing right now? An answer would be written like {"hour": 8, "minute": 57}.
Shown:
{"hour": 4, "minute": 38}
